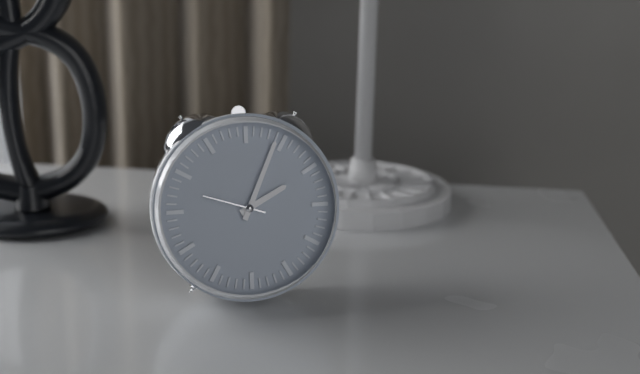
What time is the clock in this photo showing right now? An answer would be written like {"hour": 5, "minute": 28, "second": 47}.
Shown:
{"hour": 2, "minute": 4, "second": 48}
